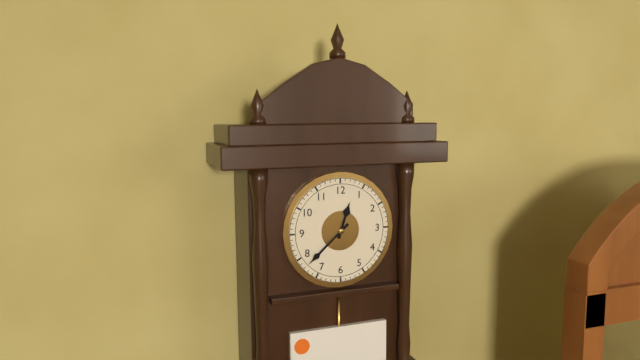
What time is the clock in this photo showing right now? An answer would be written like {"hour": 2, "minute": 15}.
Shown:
{"hour": 12, "minute": 38}
